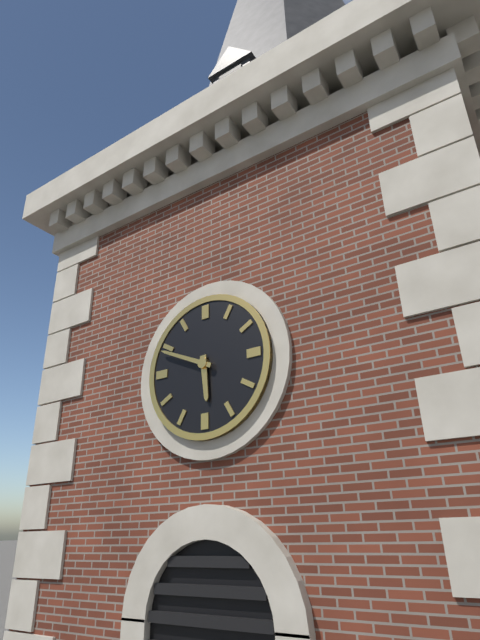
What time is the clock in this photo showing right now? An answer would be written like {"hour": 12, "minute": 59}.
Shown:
{"hour": 5, "minute": 49}
